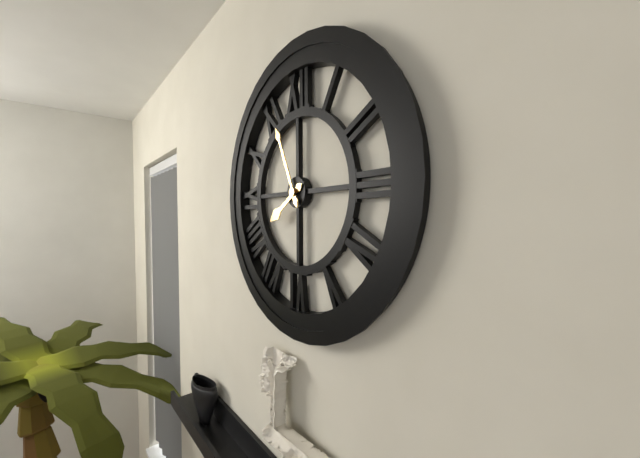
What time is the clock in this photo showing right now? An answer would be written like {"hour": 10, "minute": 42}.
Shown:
{"hour": 7, "minute": 56}
